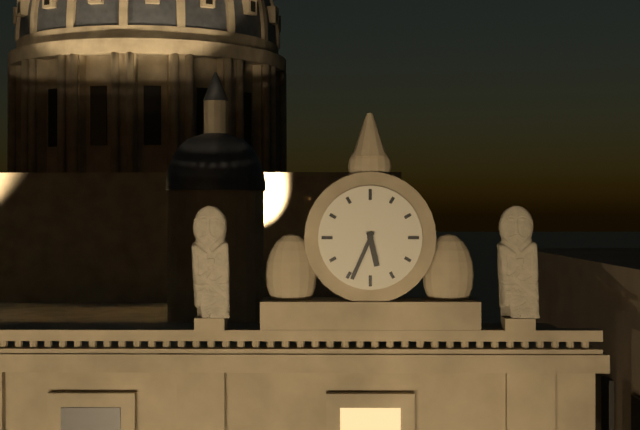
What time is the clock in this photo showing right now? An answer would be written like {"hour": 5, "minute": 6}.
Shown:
{"hour": 5, "minute": 34}
